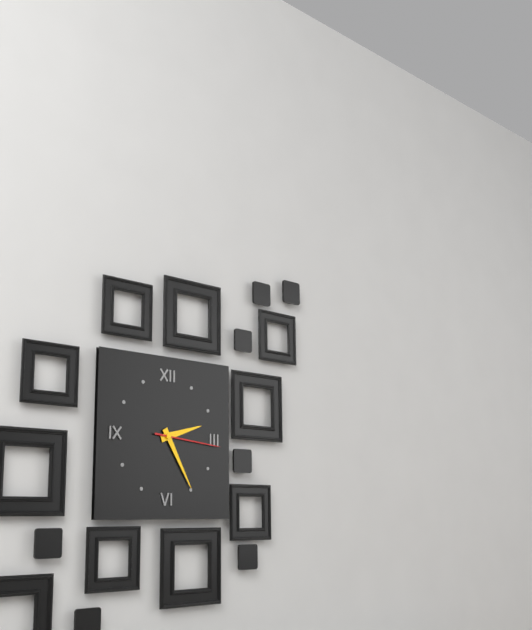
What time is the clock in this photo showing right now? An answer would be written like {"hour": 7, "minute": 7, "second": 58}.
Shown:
{"hour": 2, "minute": 25, "second": 16}
